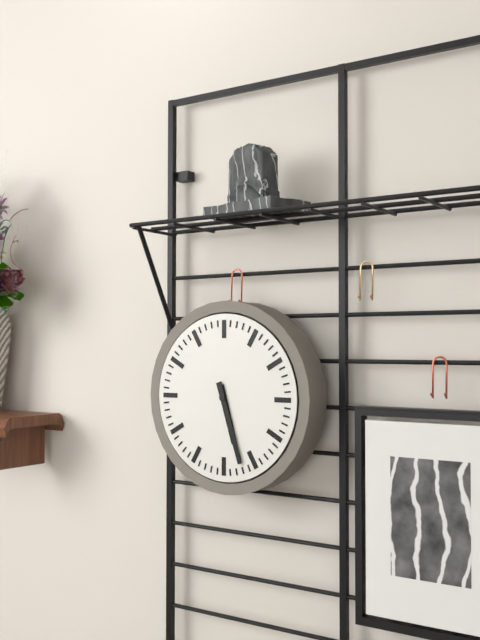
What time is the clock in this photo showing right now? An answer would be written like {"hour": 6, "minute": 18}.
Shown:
{"hour": 5, "minute": 27}
